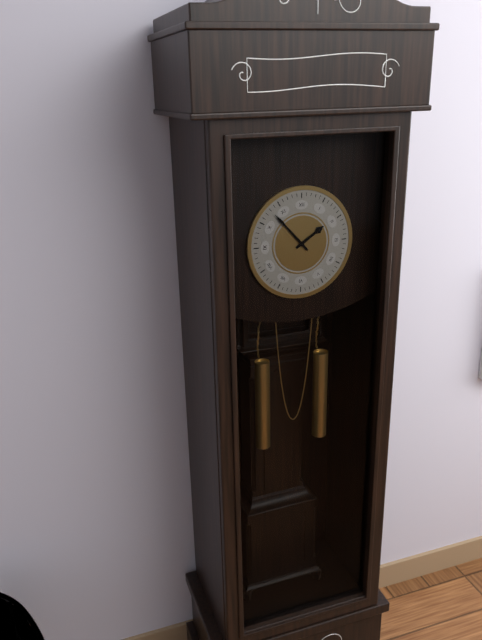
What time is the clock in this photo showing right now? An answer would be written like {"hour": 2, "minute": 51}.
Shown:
{"hour": 1, "minute": 53}
